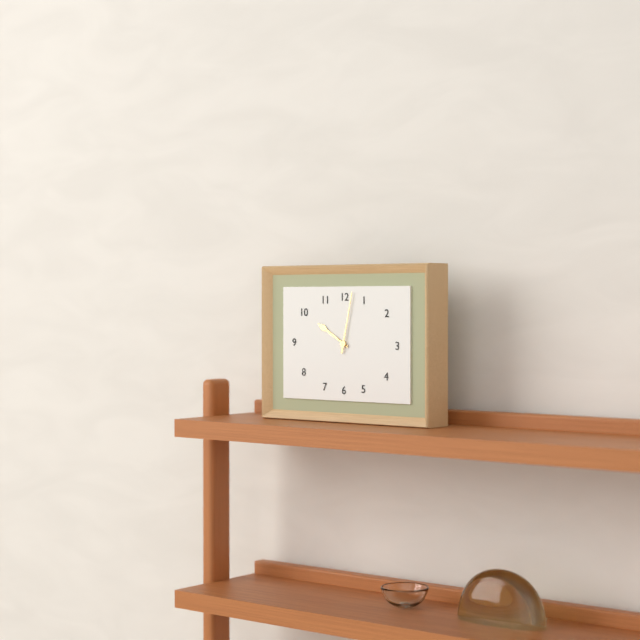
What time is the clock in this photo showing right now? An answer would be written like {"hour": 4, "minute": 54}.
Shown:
{"hour": 10, "minute": 2}
